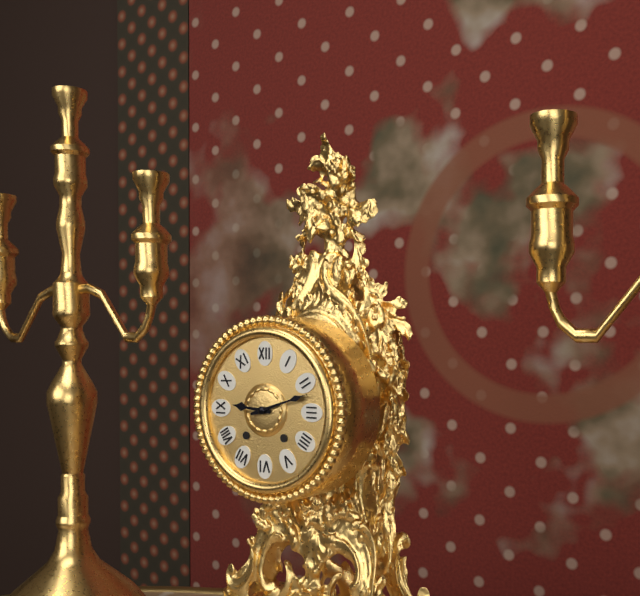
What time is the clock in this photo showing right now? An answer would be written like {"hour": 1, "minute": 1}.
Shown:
{"hour": 9, "minute": 12}
